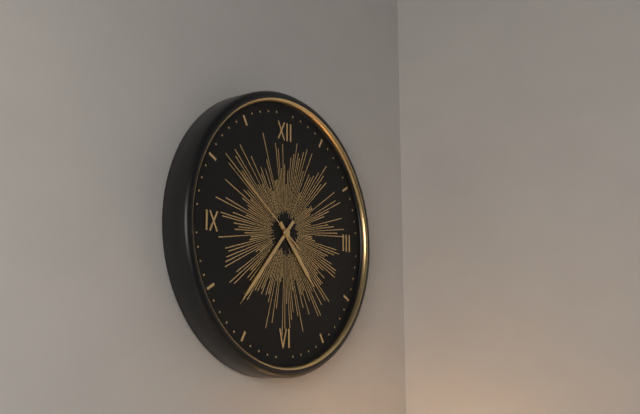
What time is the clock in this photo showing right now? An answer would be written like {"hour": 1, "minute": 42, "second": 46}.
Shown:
{"hour": 4, "minute": 37, "second": 51}
